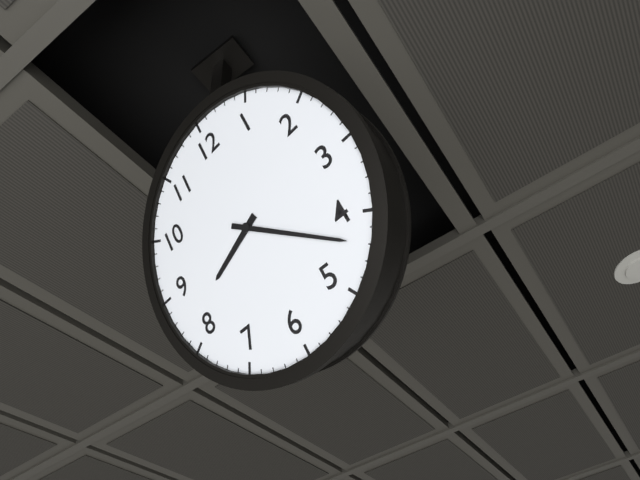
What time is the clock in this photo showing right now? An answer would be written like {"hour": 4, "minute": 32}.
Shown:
{"hour": 8, "minute": 22}
